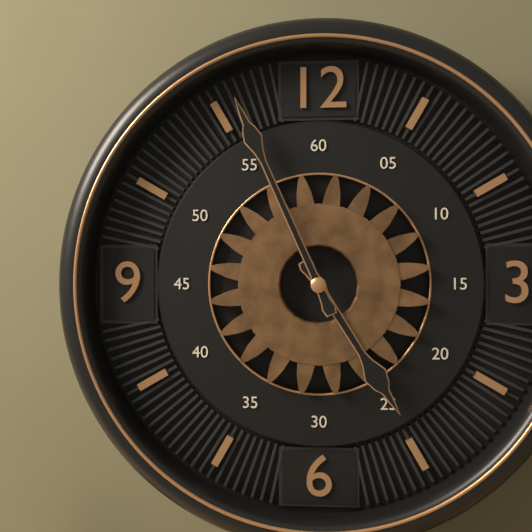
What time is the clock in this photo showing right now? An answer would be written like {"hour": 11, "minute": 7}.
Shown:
{"hour": 4, "minute": 56}
